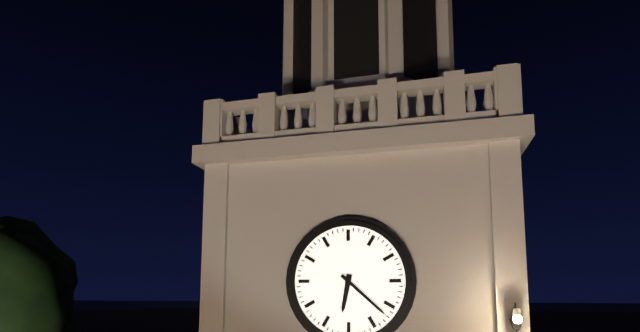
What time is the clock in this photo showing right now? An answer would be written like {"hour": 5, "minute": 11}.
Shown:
{"hour": 6, "minute": 22}
